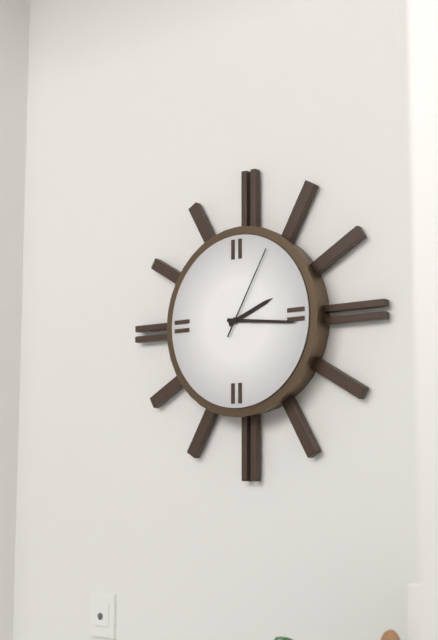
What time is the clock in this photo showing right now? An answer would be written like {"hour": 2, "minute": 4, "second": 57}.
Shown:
{"hour": 2, "minute": 16, "second": 5}
